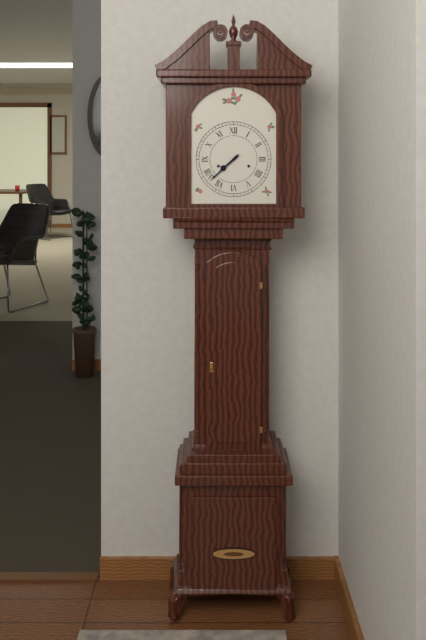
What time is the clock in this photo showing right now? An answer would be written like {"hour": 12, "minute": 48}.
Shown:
{"hour": 7, "minute": 38}
